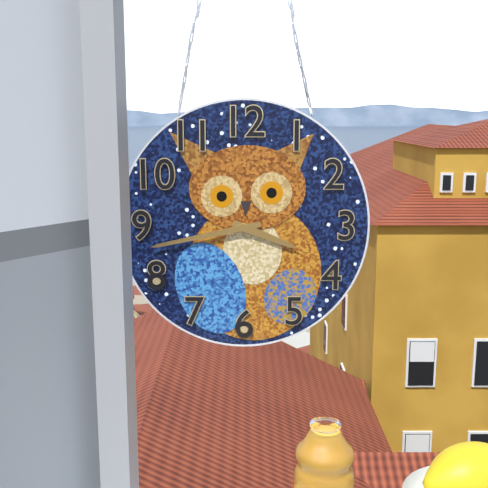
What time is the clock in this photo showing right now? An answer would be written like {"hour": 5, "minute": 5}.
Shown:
{"hour": 3, "minute": 43}
